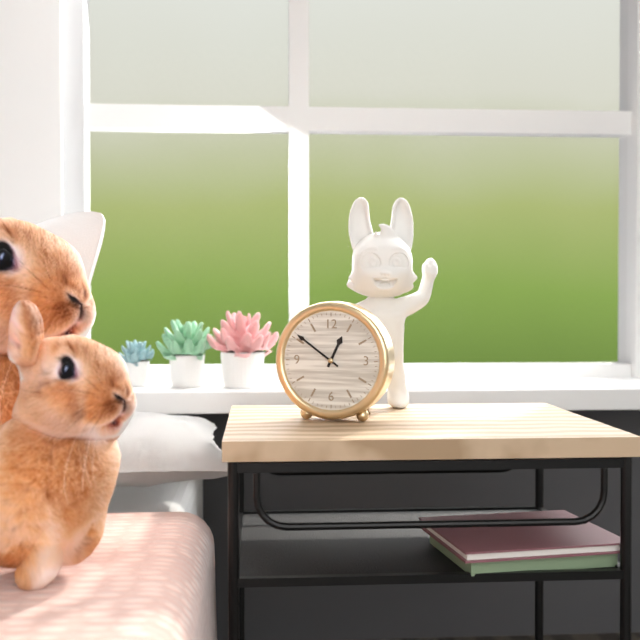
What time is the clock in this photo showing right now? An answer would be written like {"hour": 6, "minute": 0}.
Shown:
{"hour": 12, "minute": 51}
